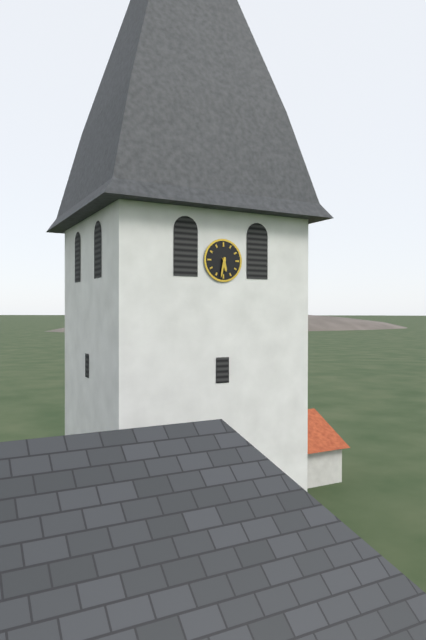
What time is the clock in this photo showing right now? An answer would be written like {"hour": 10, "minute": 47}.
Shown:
{"hour": 5, "minute": 32}
